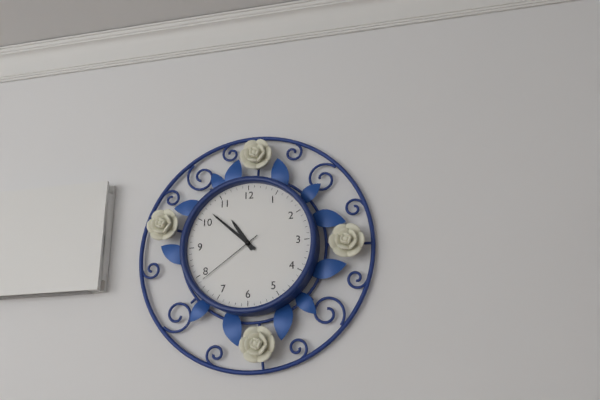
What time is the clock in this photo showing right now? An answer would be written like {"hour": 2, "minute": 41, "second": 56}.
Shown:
{"hour": 10, "minute": 52, "second": 39}
